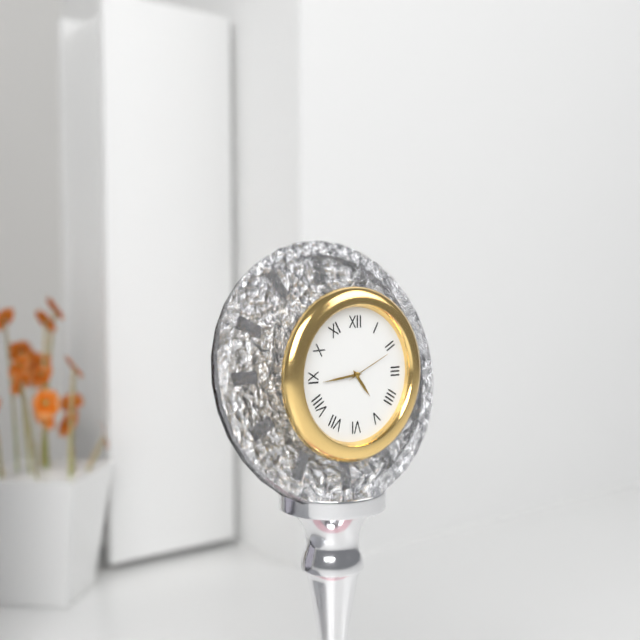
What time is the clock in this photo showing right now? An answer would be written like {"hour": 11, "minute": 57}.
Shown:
{"hour": 4, "minute": 44}
